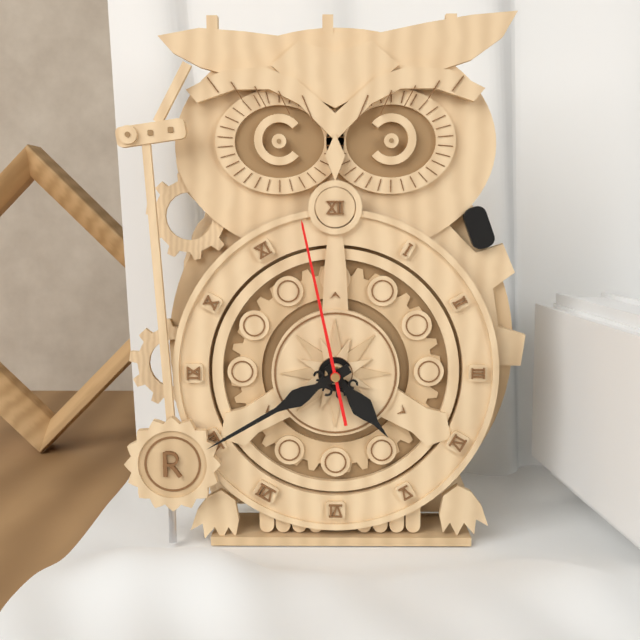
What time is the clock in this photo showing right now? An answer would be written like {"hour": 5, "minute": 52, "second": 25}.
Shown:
{"hour": 4, "minute": 40, "second": 58}
